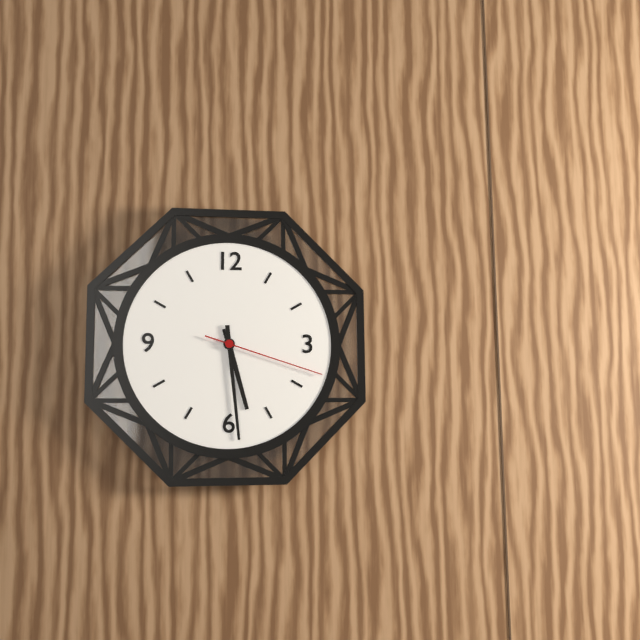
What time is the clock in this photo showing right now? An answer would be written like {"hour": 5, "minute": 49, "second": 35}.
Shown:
{"hour": 5, "minute": 29, "second": 18}
